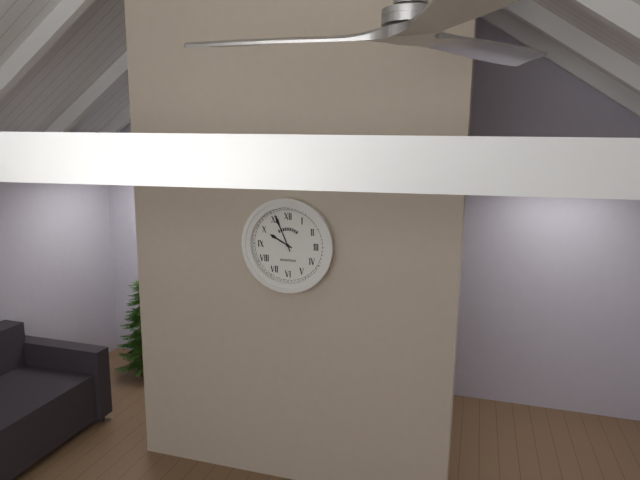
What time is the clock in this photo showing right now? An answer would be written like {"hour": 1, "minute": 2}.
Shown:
{"hour": 9, "minute": 56}
